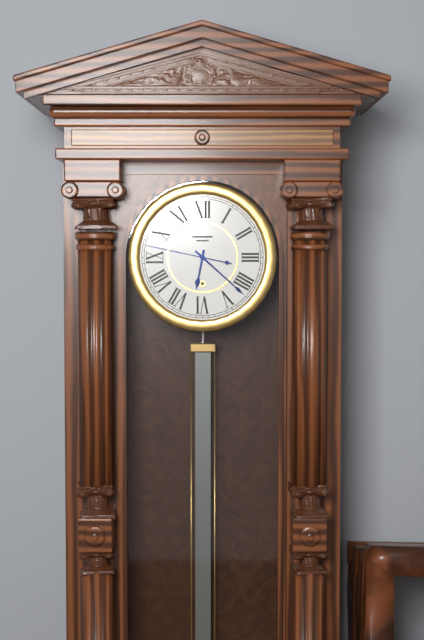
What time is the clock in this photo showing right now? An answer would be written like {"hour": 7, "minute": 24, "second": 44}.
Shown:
{"hour": 6, "minute": 22, "second": 47}
